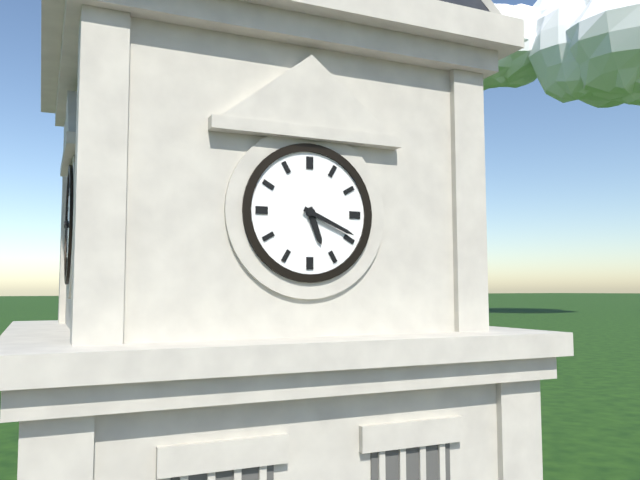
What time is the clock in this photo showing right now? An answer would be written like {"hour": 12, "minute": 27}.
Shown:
{"hour": 5, "minute": 19}
